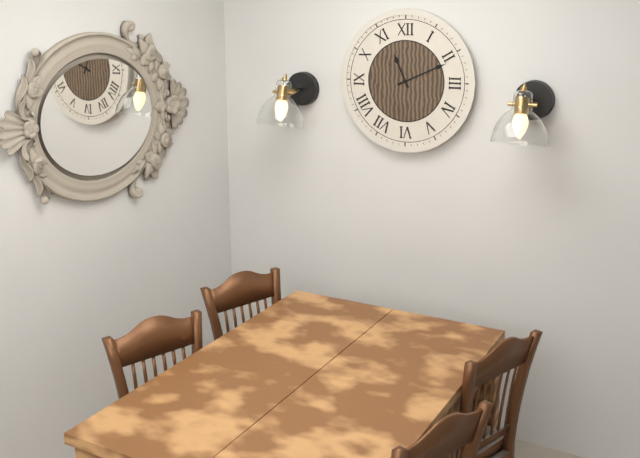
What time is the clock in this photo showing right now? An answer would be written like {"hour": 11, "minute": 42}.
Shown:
{"hour": 11, "minute": 11}
